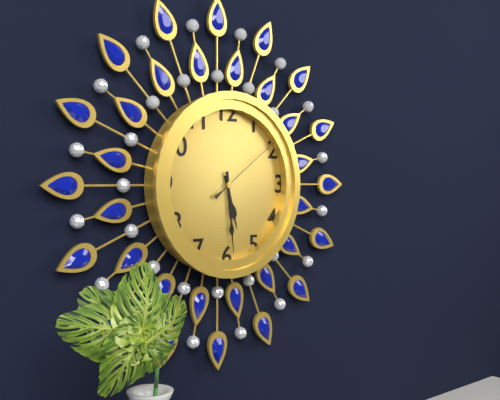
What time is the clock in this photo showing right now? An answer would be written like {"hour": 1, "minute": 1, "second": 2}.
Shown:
{"hour": 5, "minute": 29, "second": 9}
